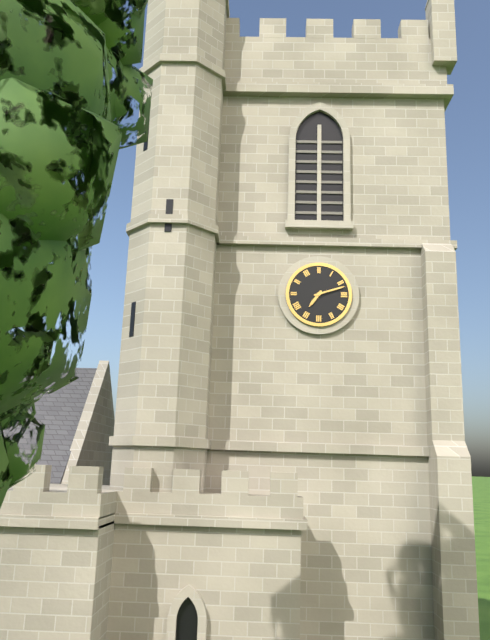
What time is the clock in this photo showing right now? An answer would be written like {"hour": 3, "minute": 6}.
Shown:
{"hour": 7, "minute": 12}
